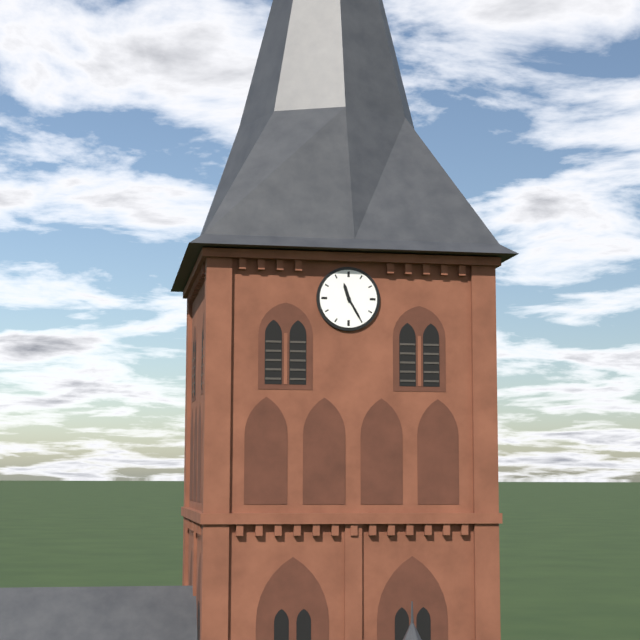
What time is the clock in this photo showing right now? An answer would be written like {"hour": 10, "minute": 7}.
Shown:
{"hour": 11, "minute": 25}
